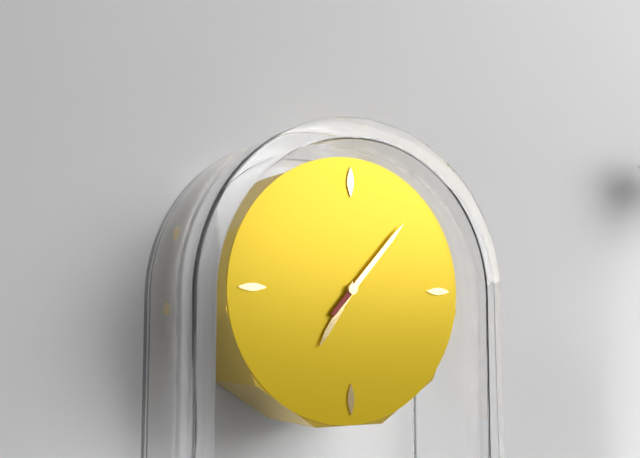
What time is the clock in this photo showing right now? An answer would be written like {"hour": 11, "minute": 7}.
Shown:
{"hour": 7, "minute": 7}
